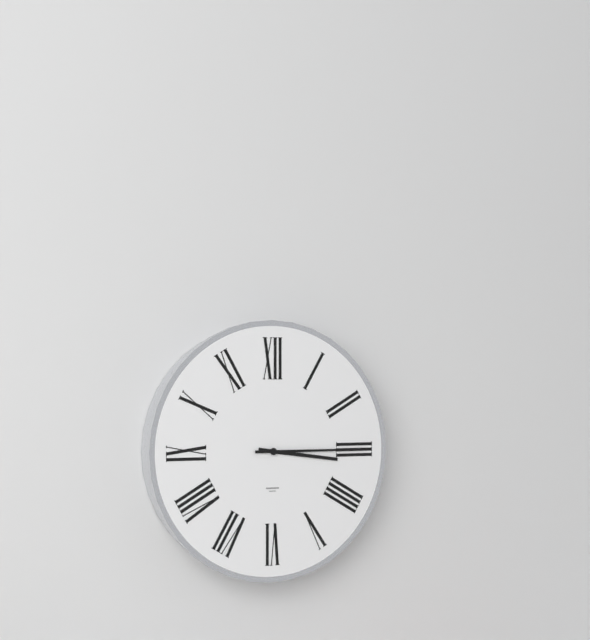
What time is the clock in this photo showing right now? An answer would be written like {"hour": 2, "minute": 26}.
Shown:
{"hour": 3, "minute": 15}
